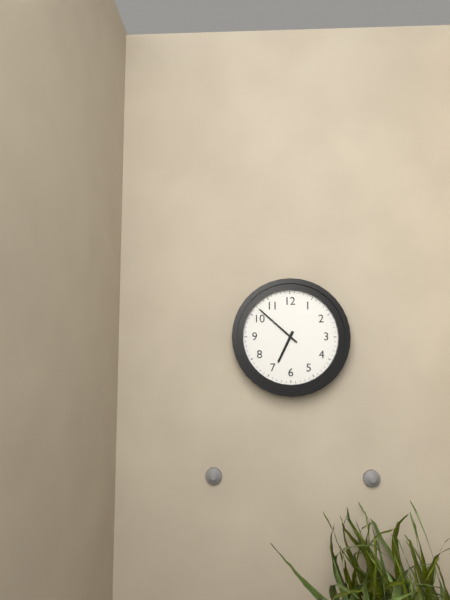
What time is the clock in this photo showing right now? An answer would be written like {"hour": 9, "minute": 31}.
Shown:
{"hour": 6, "minute": 52}
